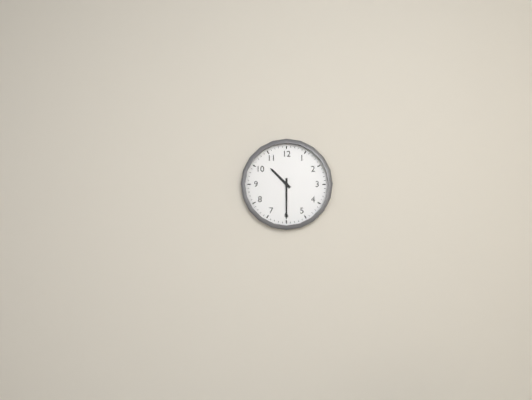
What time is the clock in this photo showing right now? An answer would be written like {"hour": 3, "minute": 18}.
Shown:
{"hour": 10, "minute": 30}
